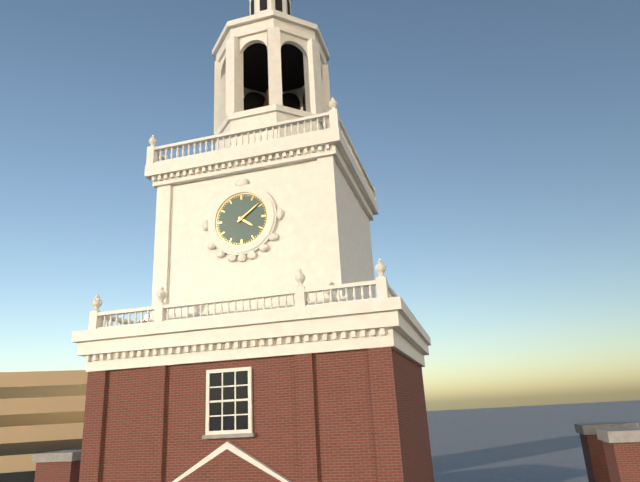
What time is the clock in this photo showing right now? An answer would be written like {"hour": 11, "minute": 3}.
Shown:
{"hour": 4, "minute": 9}
